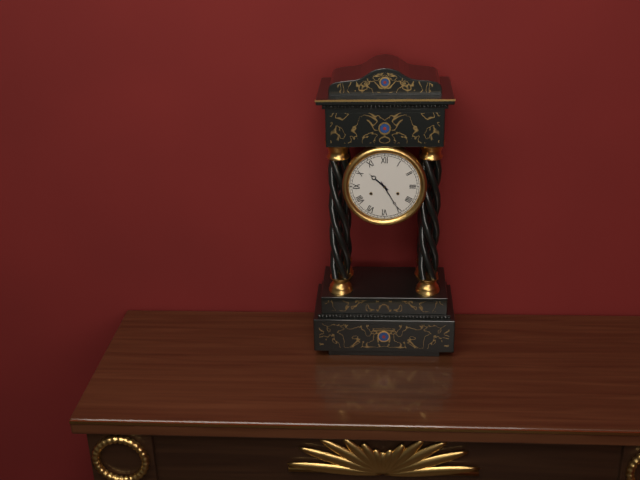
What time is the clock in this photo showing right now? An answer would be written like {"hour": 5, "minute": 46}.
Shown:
{"hour": 10, "minute": 25}
